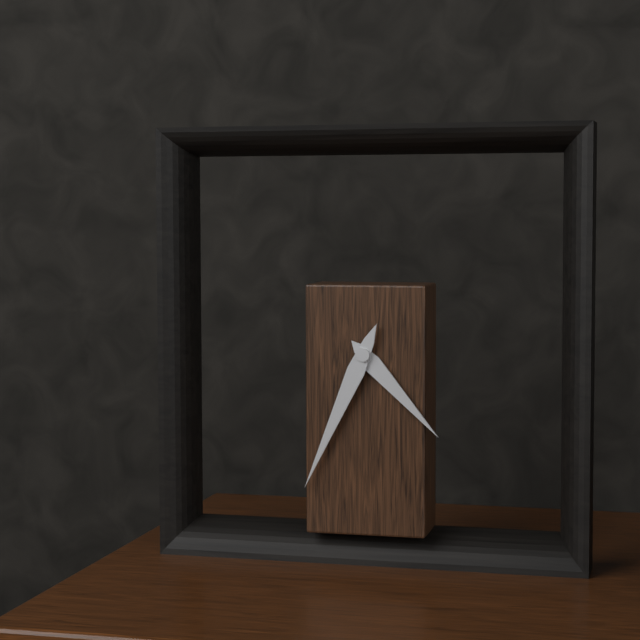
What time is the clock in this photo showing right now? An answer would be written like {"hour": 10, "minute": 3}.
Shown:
{"hour": 4, "minute": 34}
